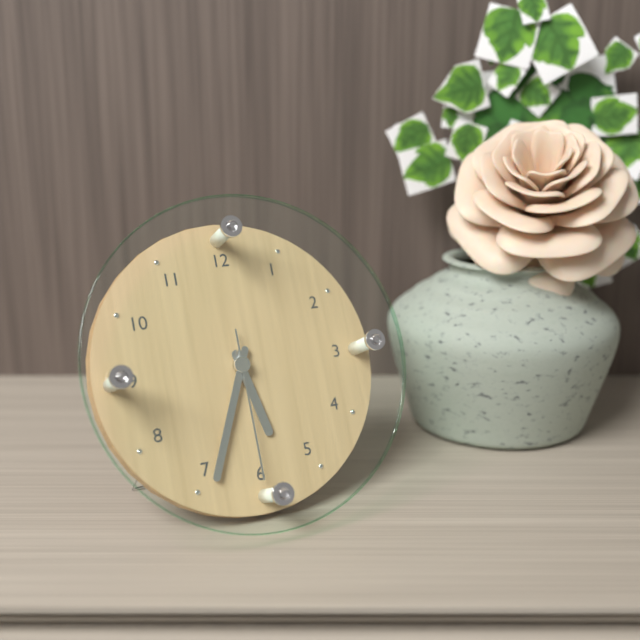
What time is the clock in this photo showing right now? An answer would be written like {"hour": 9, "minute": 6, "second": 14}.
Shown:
{"hour": 5, "minute": 34, "second": 30}
